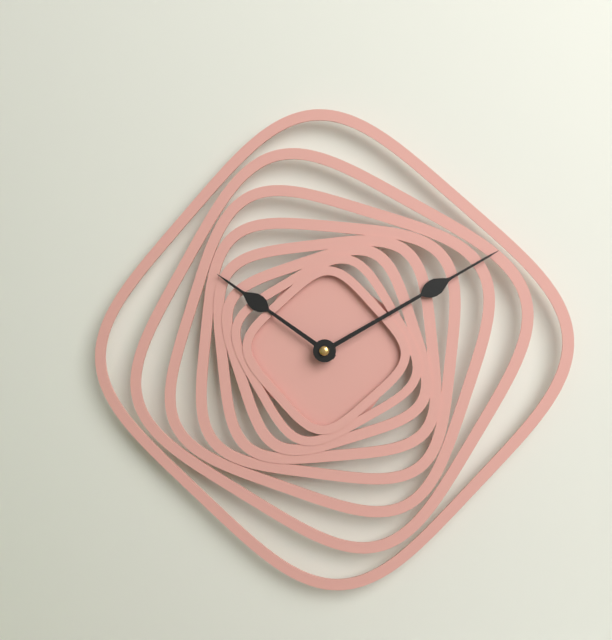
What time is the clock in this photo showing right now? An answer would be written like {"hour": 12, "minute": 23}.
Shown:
{"hour": 10, "minute": 10}
